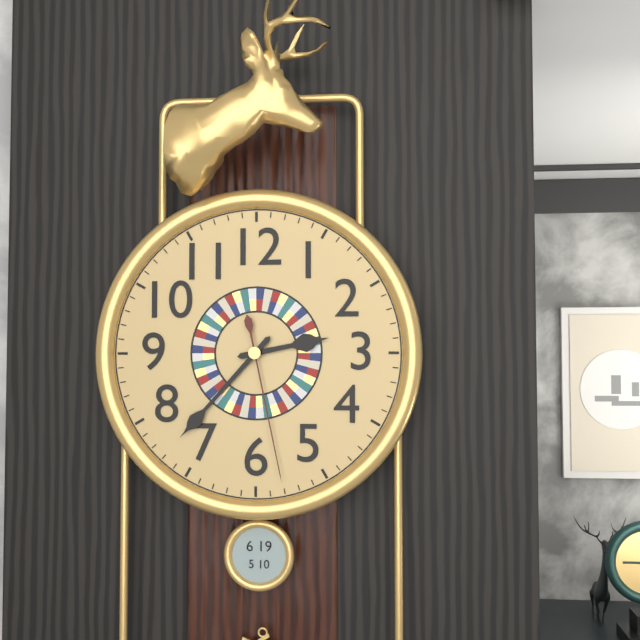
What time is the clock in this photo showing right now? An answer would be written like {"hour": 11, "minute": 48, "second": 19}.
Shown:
{"hour": 2, "minute": 37, "second": 28}
